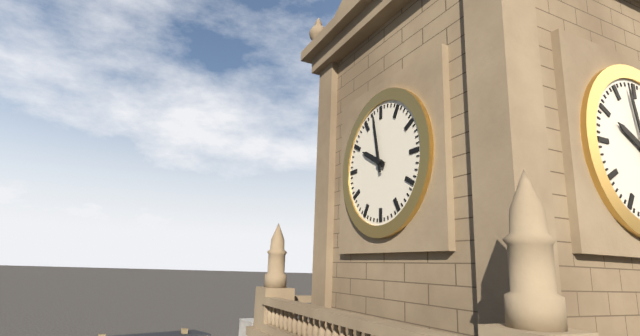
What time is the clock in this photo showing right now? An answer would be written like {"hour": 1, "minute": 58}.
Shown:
{"hour": 9, "minute": 58}
